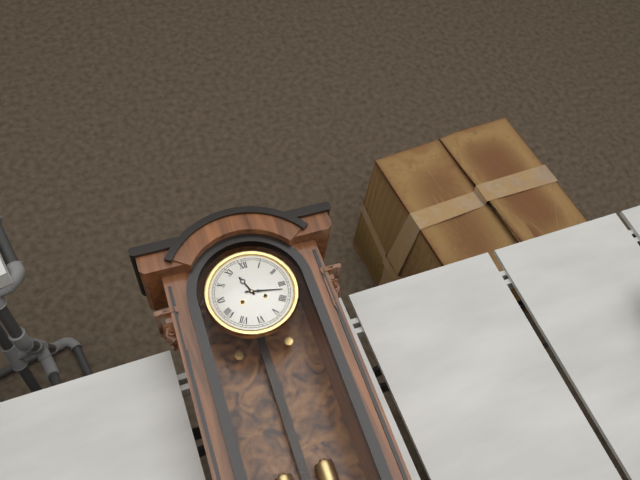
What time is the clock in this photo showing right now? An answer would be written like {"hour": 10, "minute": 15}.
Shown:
{"hour": 11, "minute": 17}
